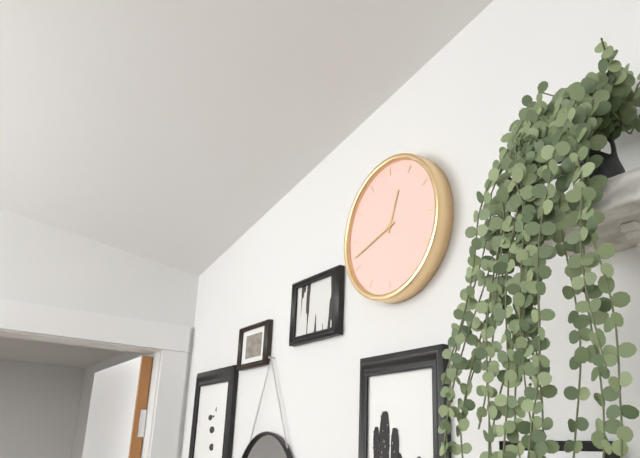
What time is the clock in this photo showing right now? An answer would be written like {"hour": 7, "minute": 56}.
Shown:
{"hour": 12, "minute": 42}
